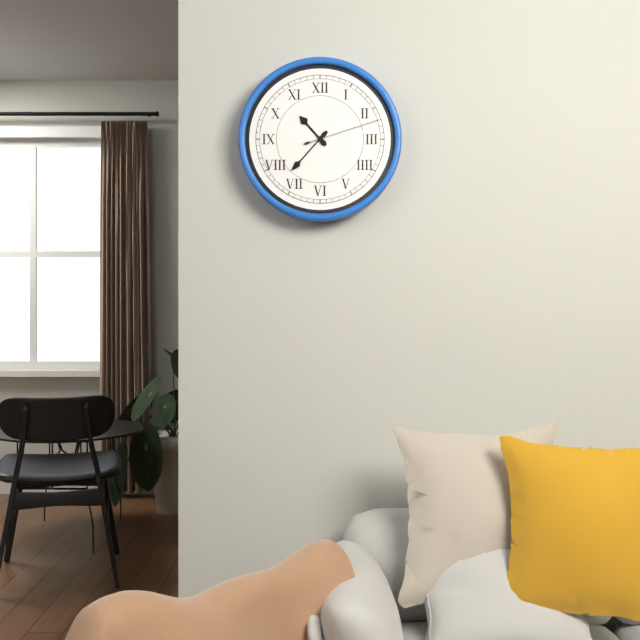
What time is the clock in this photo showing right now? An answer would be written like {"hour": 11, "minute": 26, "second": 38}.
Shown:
{"hour": 10, "minute": 37, "second": 12}
